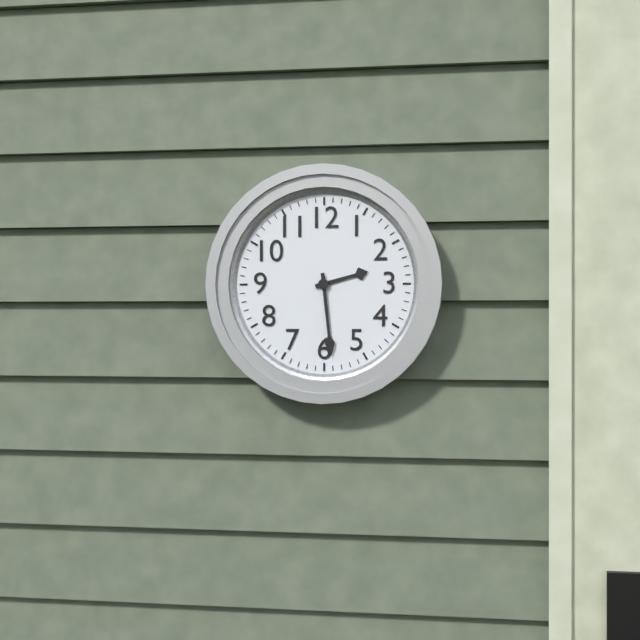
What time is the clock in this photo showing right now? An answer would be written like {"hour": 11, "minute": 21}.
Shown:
{"hour": 2, "minute": 29}
